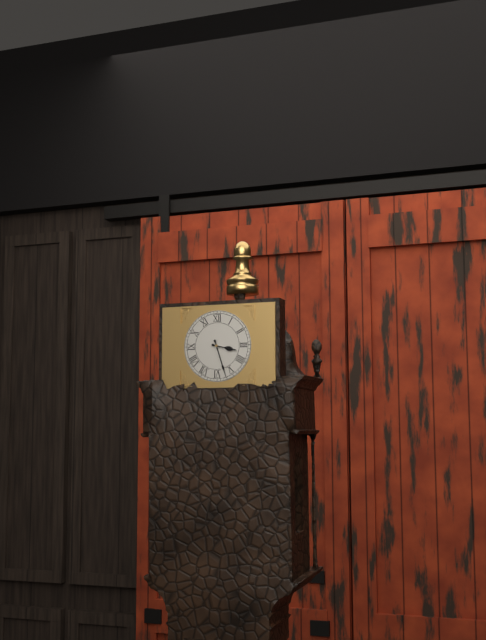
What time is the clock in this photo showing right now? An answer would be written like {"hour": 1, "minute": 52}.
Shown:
{"hour": 3, "minute": 27}
